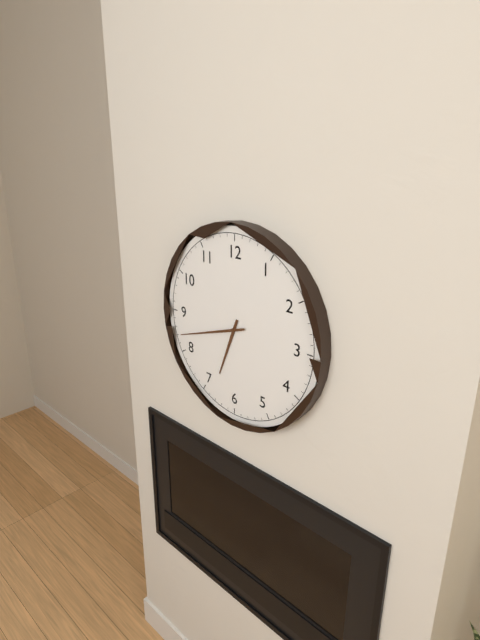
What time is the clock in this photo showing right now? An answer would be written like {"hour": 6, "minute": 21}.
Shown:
{"hour": 6, "minute": 42}
